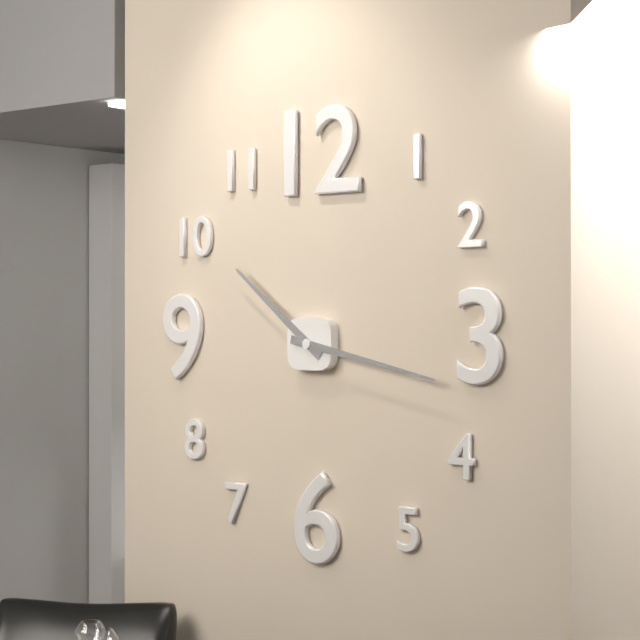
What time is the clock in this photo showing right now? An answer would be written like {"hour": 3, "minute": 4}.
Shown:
{"hour": 10, "minute": 17}
